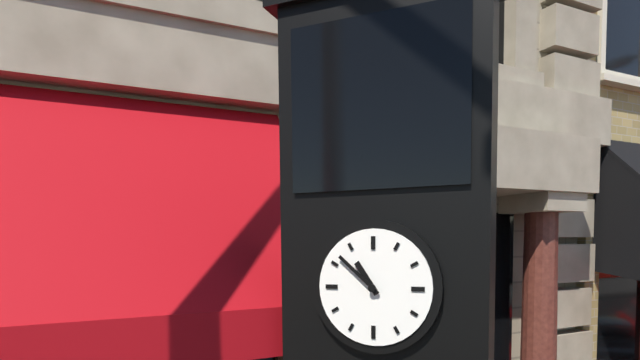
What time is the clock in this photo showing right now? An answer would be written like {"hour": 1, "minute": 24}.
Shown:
{"hour": 10, "minute": 52}
